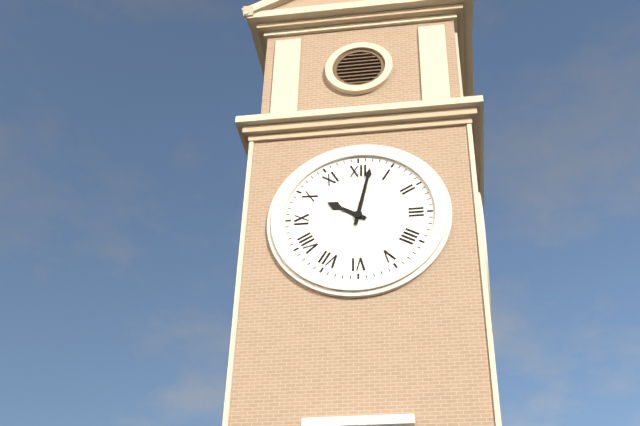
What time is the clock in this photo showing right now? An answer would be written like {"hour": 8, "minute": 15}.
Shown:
{"hour": 10, "minute": 2}
